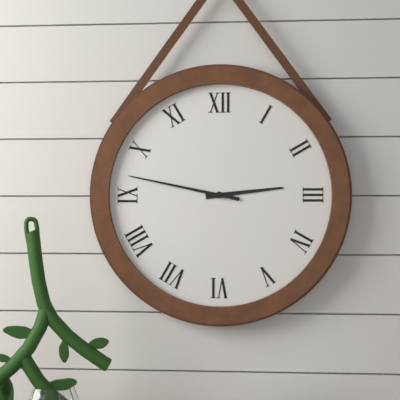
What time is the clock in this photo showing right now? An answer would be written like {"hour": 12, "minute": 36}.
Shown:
{"hour": 2, "minute": 47}
